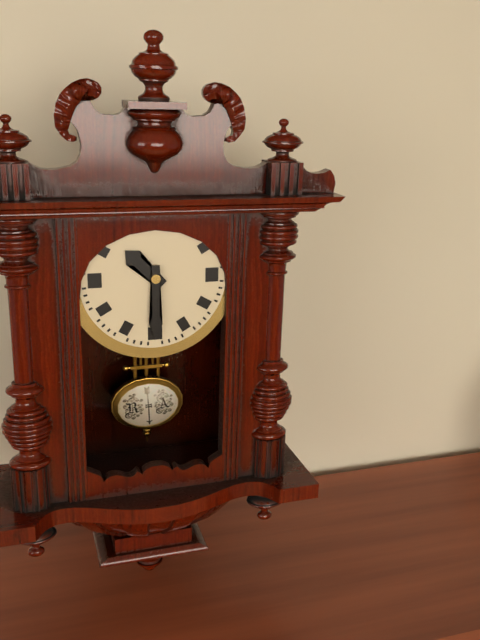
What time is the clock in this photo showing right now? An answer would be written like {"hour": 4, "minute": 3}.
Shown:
{"hour": 10, "minute": 30}
